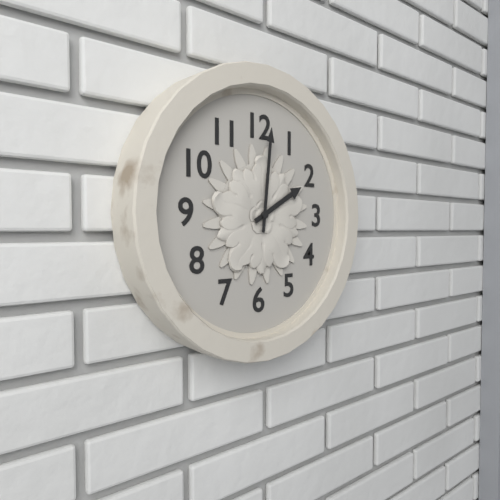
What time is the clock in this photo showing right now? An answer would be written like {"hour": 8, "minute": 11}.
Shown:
{"hour": 2, "minute": 1}
